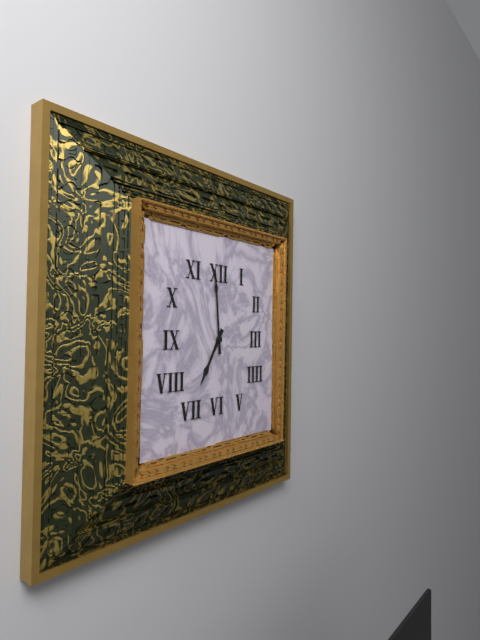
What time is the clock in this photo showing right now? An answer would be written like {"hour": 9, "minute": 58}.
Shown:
{"hour": 6, "minute": 59}
